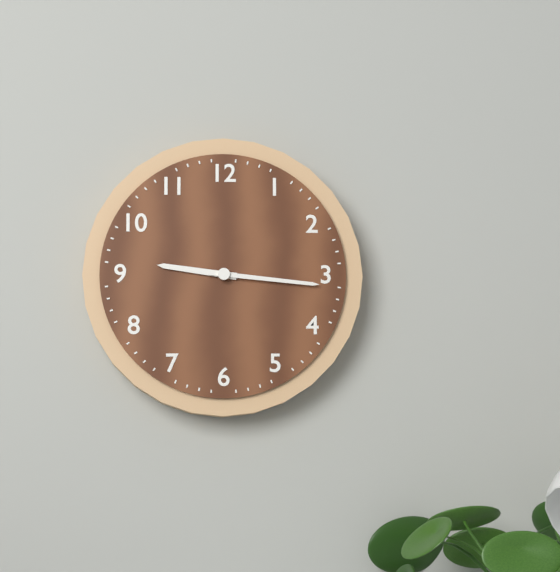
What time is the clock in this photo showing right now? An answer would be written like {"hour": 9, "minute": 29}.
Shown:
{"hour": 9, "minute": 16}
